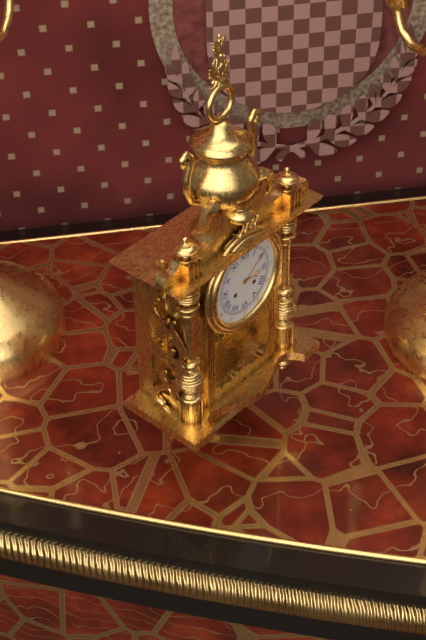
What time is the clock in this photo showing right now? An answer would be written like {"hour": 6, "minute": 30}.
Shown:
{"hour": 3, "minute": 9}
